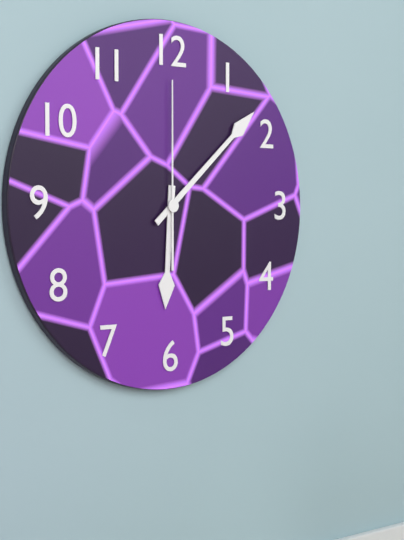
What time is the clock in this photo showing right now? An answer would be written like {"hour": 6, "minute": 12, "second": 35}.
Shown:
{"hour": 6, "minute": 8, "second": 0}
